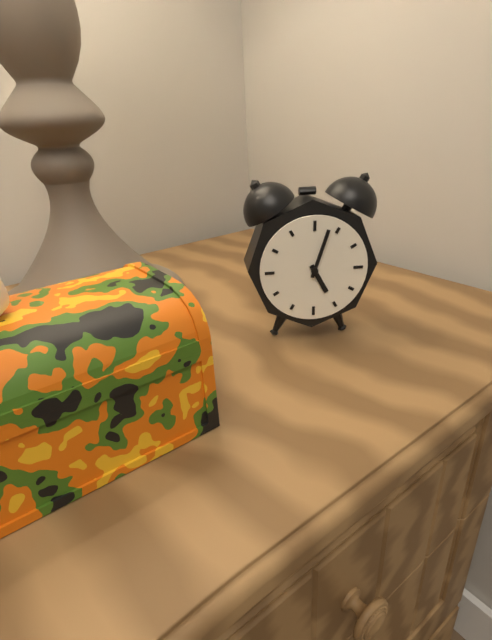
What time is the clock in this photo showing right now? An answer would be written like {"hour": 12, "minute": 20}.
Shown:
{"hour": 5, "minute": 3}
